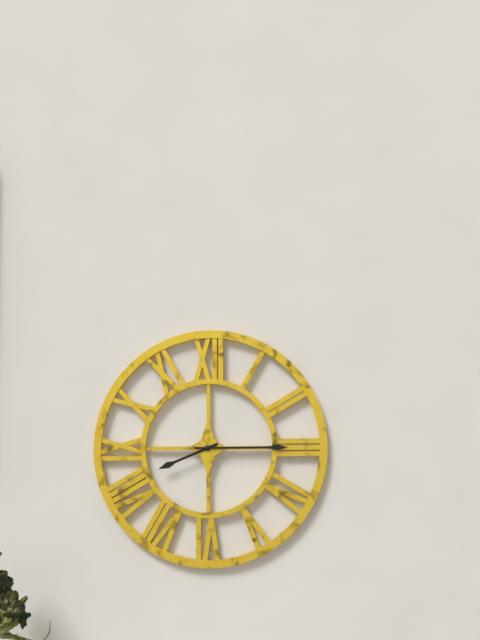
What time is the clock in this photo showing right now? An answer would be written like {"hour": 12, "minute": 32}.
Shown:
{"hour": 8, "minute": 15}
